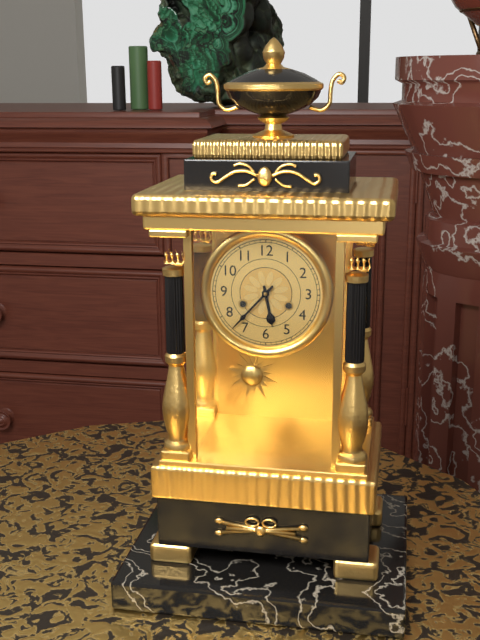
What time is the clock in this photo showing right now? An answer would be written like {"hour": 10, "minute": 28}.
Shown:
{"hour": 5, "minute": 37}
